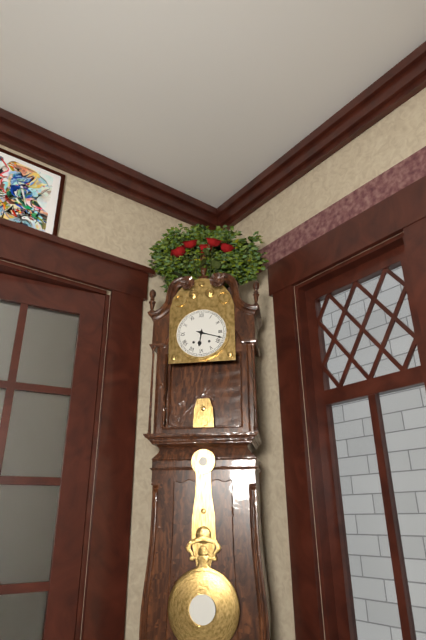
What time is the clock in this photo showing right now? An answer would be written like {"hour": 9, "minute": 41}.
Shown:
{"hour": 6, "minute": 18}
